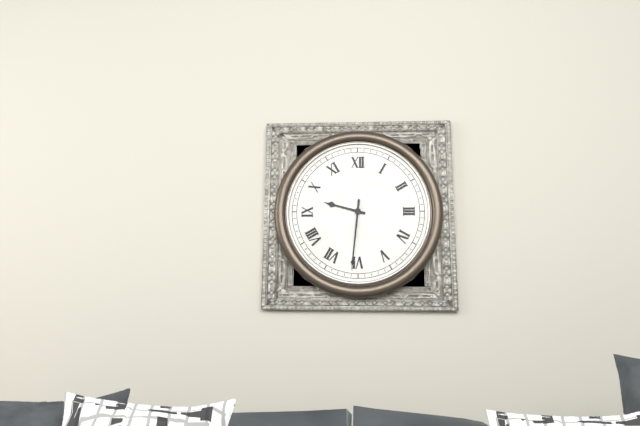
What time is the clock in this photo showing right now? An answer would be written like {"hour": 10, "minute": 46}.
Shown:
{"hour": 9, "minute": 31}
